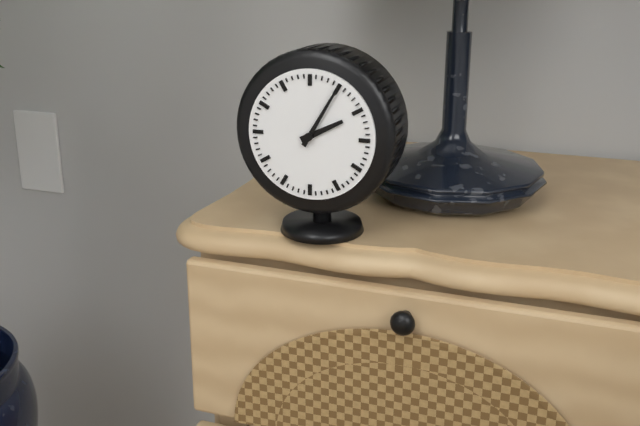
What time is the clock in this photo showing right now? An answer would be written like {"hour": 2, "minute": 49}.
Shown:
{"hour": 2, "minute": 5}
